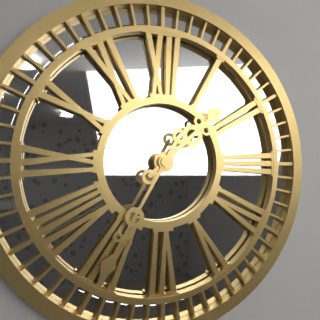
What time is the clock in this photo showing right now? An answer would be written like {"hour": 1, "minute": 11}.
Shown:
{"hour": 1, "minute": 35}
